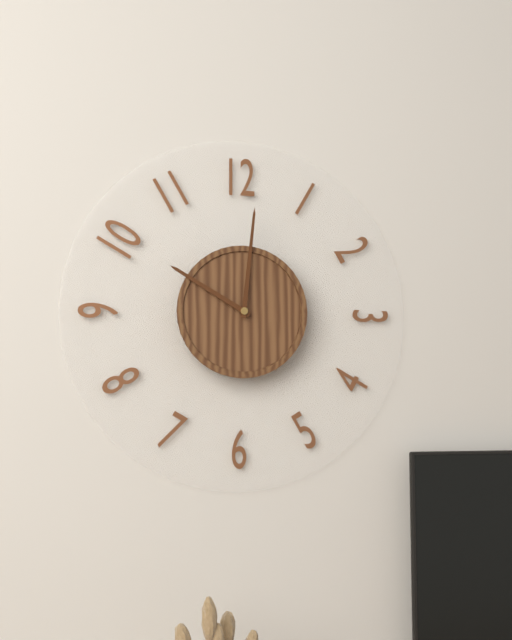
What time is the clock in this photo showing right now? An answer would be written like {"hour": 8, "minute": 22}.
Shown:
{"hour": 10, "minute": 1}
